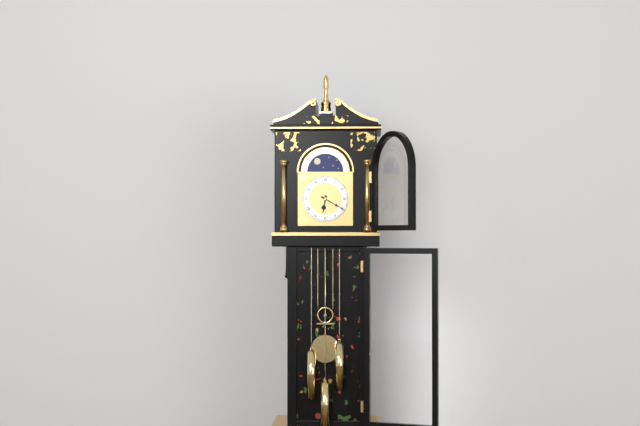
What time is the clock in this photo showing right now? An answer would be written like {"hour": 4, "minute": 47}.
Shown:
{"hour": 6, "minute": 20}
